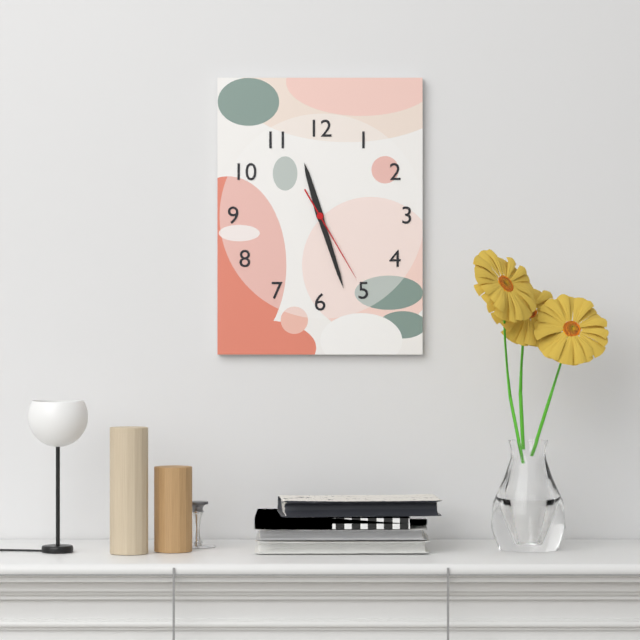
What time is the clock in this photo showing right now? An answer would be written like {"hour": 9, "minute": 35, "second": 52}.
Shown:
{"hour": 11, "minute": 27, "second": 25}
